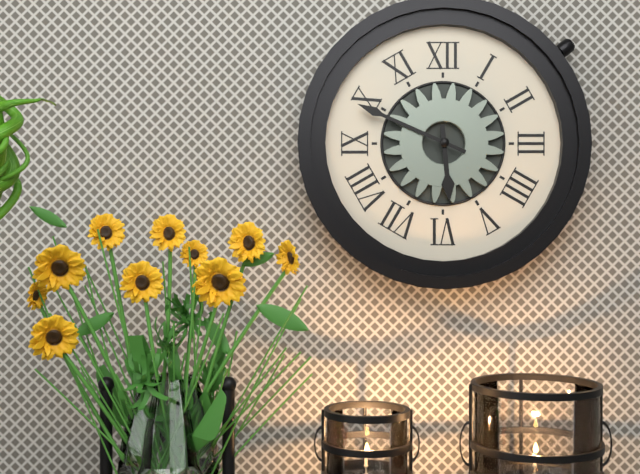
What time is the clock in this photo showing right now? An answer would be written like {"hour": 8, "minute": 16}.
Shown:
{"hour": 5, "minute": 49}
